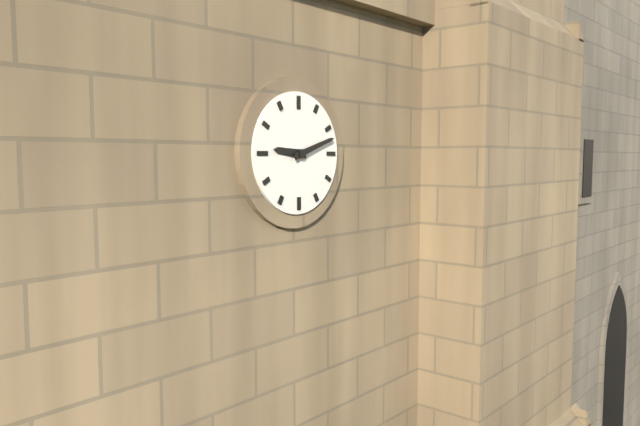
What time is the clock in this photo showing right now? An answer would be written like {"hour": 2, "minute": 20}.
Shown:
{"hour": 9, "minute": 12}
